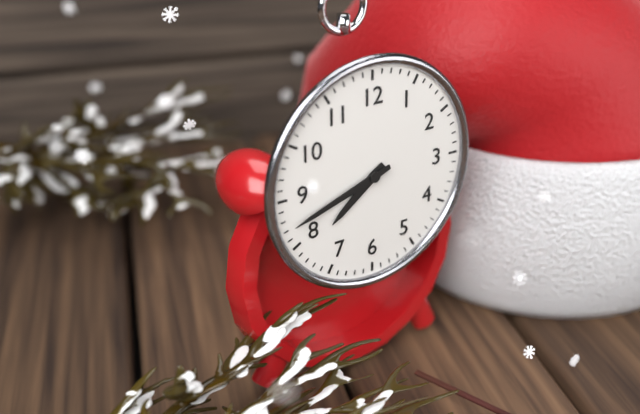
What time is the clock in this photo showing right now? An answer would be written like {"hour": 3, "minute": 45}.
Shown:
{"hour": 7, "minute": 42}
